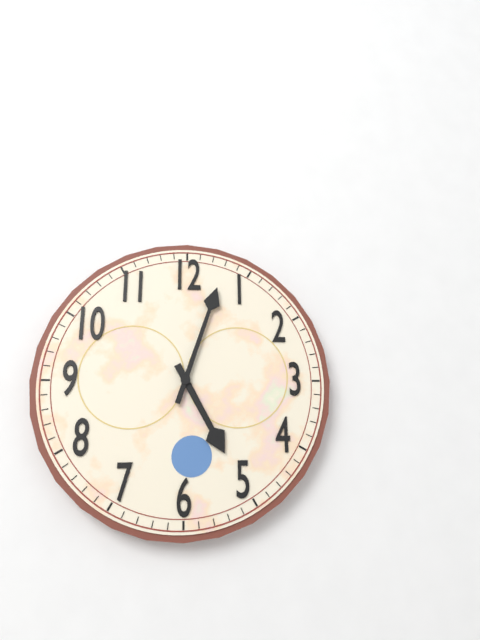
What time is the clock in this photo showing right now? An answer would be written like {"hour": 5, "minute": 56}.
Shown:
{"hour": 5, "minute": 3}
